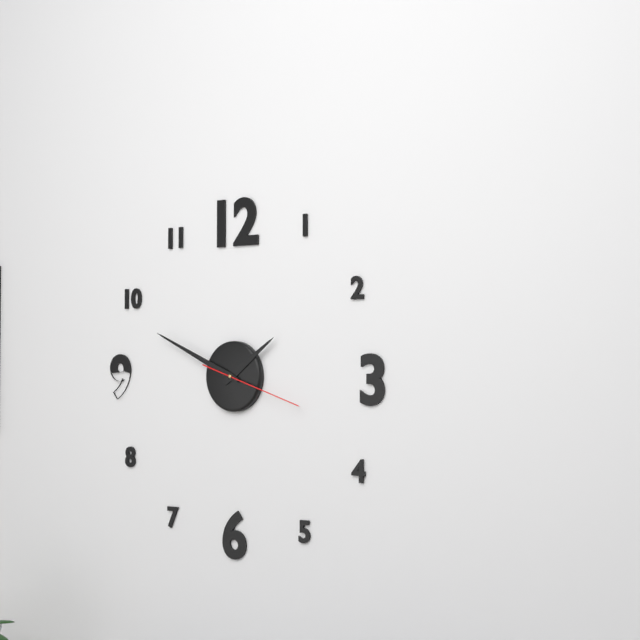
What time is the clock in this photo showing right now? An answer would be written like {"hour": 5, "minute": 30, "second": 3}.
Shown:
{"hour": 1, "minute": 49, "second": 18}
